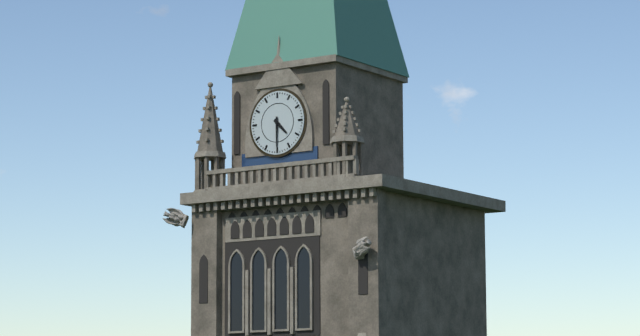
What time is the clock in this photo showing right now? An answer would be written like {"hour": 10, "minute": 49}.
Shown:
{"hour": 4, "minute": 30}
